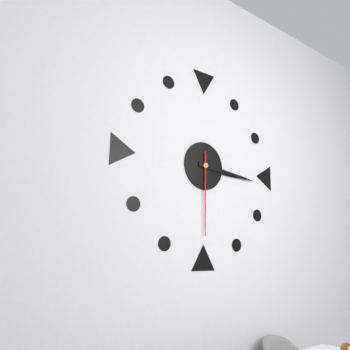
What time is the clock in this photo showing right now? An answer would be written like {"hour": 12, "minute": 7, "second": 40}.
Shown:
{"hour": 3, "minute": 16, "second": 30}
